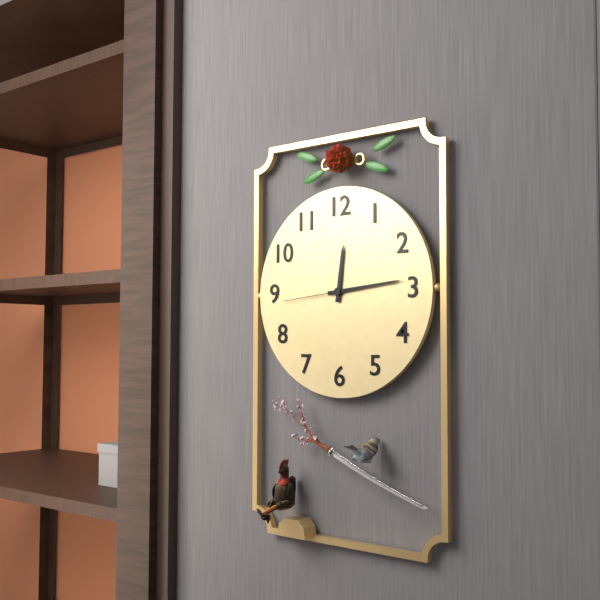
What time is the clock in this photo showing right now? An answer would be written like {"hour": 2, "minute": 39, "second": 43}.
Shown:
{"hour": 12, "minute": 14, "second": 44}
